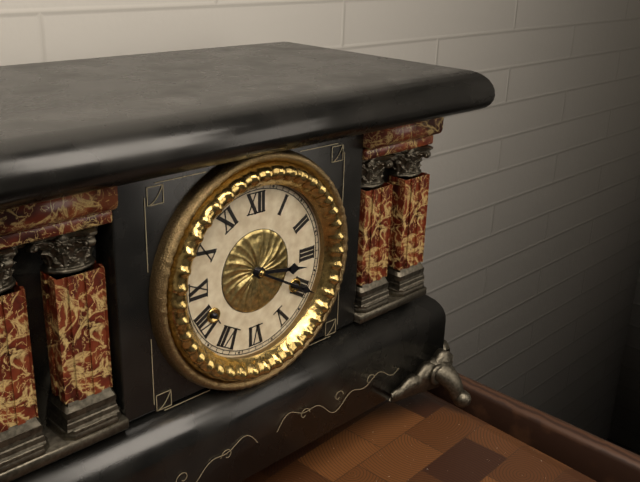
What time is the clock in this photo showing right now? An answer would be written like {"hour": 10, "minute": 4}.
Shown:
{"hour": 3, "minute": 20}
